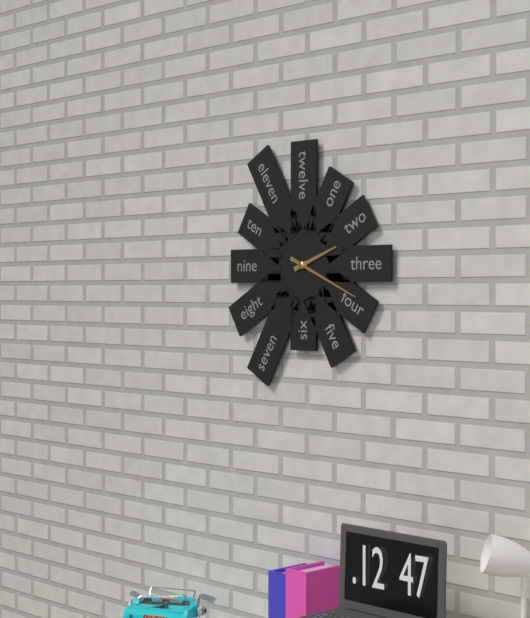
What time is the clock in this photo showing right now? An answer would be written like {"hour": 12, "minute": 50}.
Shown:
{"hour": 2, "minute": 19}
